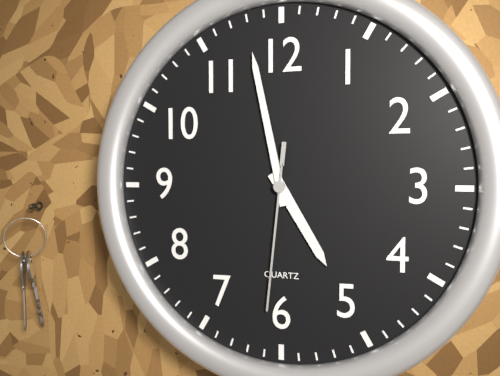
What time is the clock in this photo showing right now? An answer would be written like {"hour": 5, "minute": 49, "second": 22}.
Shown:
{"hour": 4, "minute": 58, "second": 31}
